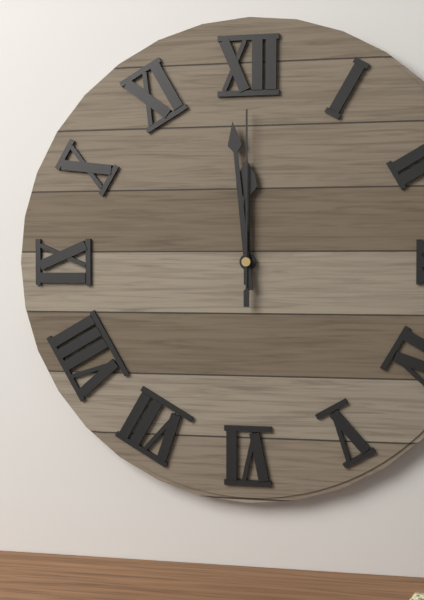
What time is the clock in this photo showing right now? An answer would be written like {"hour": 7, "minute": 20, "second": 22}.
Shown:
{"hour": 11, "minute": 59, "second": 0}
